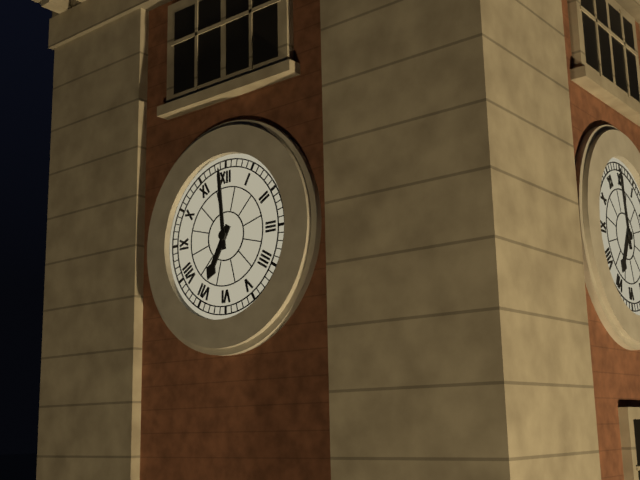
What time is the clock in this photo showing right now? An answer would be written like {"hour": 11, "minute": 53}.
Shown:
{"hour": 6, "minute": 59}
